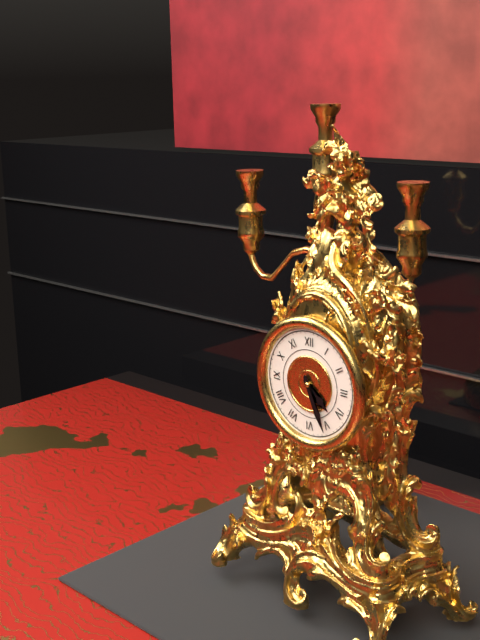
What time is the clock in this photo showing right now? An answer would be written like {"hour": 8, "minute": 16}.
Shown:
{"hour": 4, "minute": 26}
